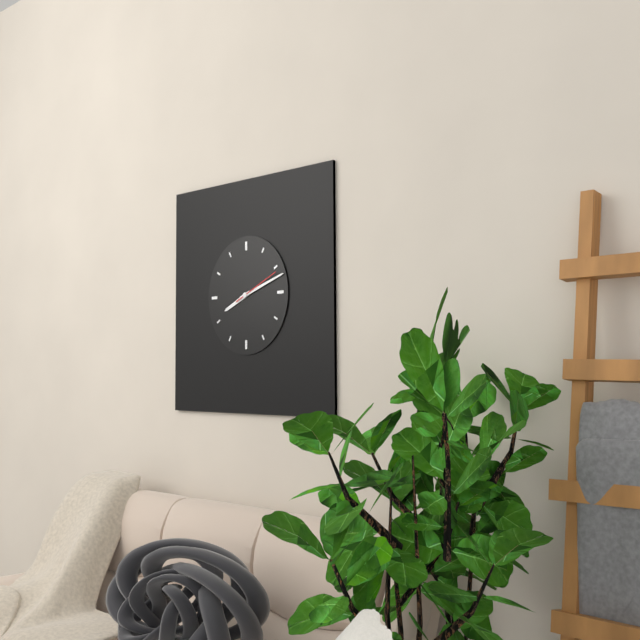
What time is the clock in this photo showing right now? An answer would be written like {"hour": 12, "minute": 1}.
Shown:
{"hour": 8, "minute": 12}
